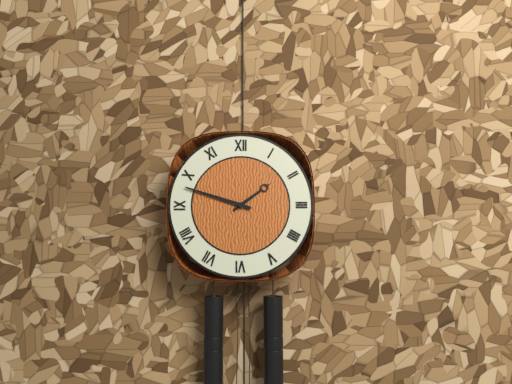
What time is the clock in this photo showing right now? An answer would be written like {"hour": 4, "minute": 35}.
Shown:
{"hour": 1, "minute": 48}
